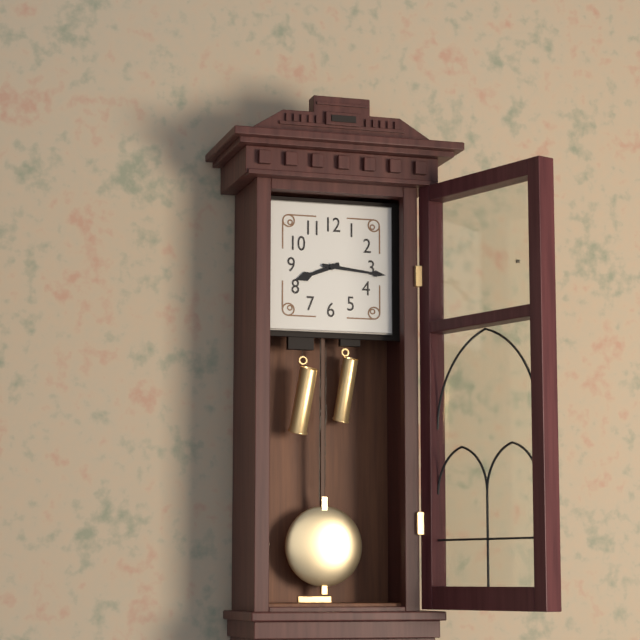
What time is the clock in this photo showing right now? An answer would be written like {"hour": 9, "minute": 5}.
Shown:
{"hour": 8, "minute": 16}
